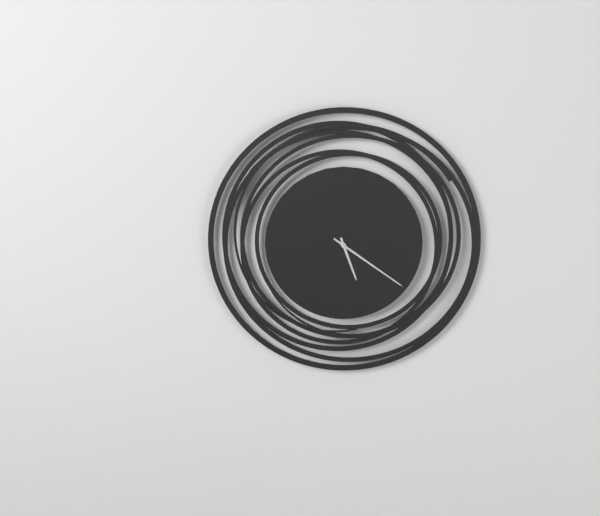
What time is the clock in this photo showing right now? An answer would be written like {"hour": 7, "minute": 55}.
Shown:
{"hour": 5, "minute": 21}
